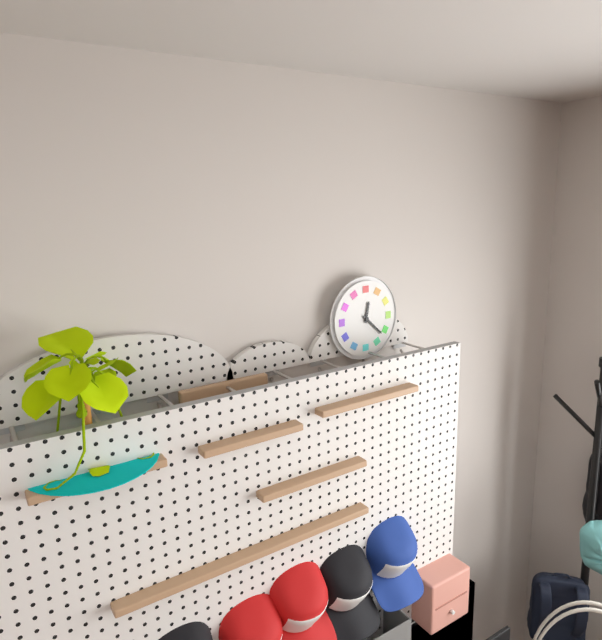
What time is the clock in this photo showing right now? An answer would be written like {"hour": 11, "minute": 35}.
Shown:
{"hour": 12, "minute": 22}
